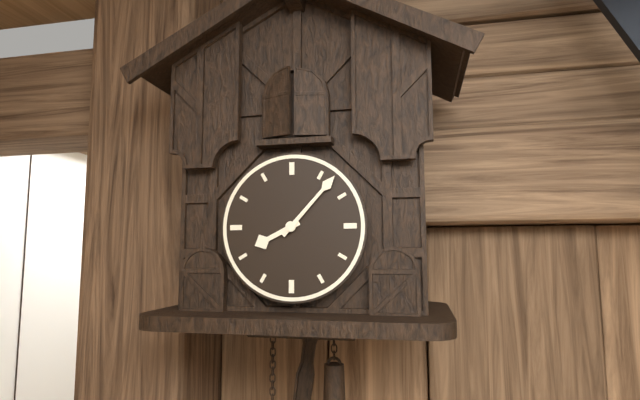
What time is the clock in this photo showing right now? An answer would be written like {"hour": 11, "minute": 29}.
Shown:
{"hour": 8, "minute": 7}
